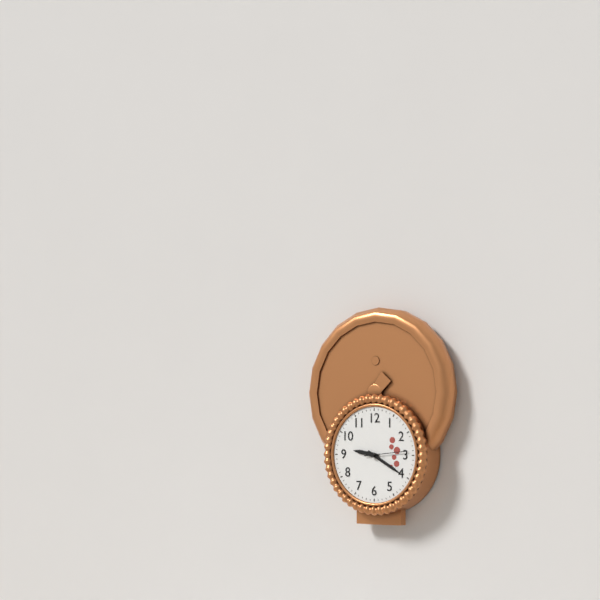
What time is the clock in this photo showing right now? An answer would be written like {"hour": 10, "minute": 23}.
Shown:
{"hour": 9, "minute": 20}
